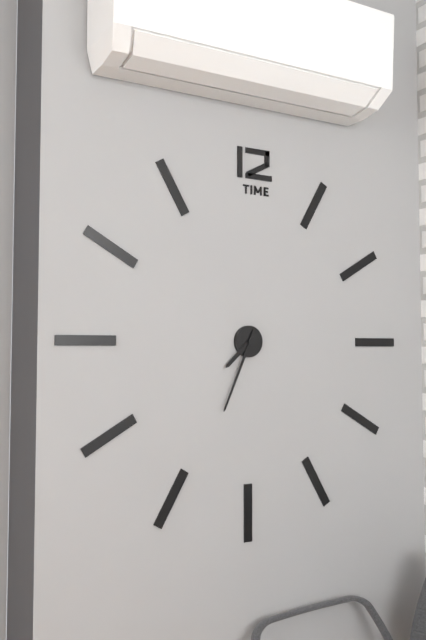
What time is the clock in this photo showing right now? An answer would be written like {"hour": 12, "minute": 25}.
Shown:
{"hour": 7, "minute": 34}
